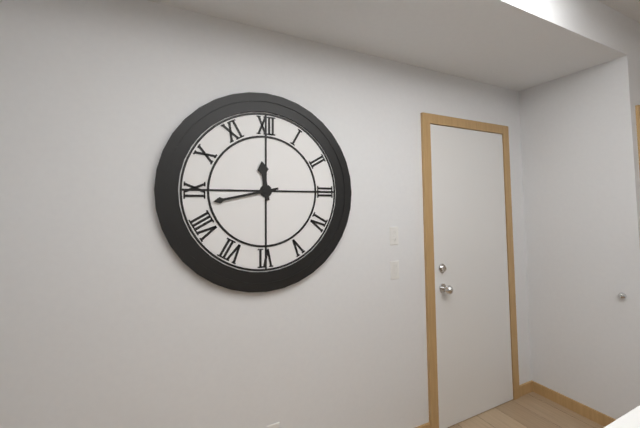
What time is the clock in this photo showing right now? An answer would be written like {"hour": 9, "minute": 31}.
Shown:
{"hour": 11, "minute": 43}
